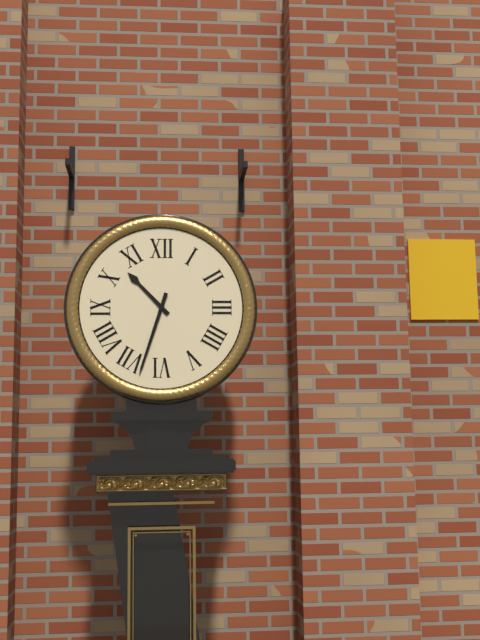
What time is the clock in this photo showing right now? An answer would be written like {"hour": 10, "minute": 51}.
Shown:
{"hour": 10, "minute": 33}
